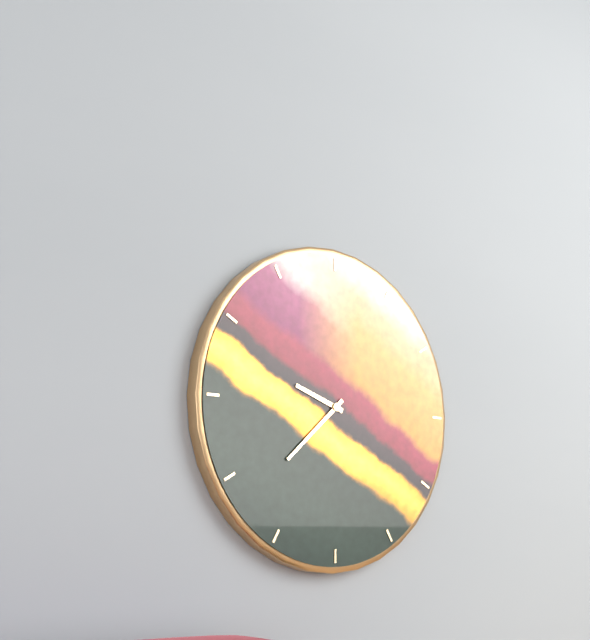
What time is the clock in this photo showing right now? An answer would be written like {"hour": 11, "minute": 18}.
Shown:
{"hour": 9, "minute": 38}
